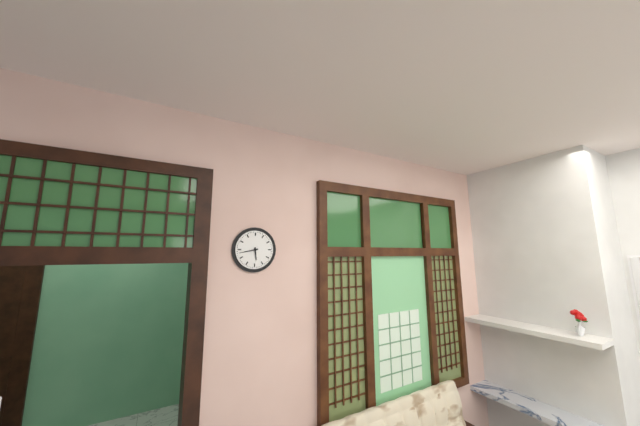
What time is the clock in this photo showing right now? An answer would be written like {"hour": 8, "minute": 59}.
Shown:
{"hour": 5, "minute": 43}
